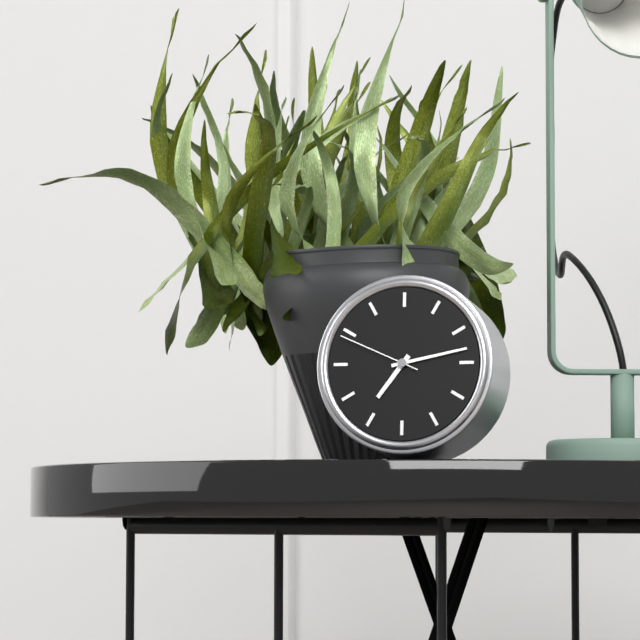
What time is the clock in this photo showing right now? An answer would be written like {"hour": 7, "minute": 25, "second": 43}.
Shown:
{"hour": 7, "minute": 13, "second": 49}
